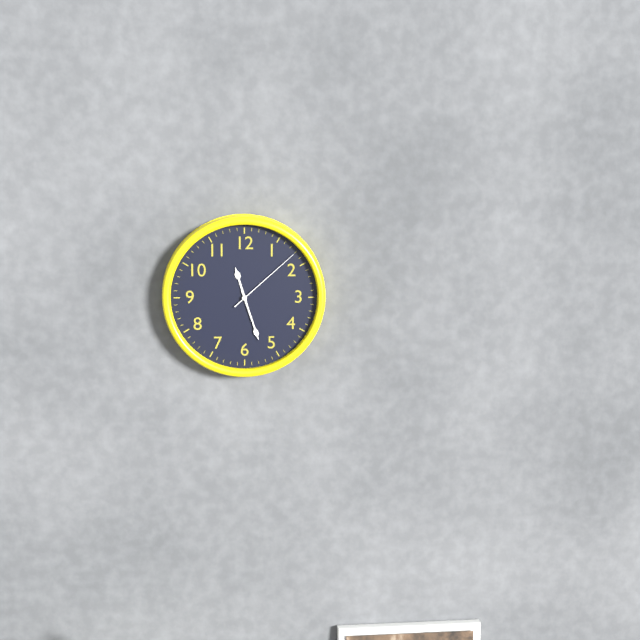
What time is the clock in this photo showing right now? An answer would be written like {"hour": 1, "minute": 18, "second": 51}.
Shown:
{"hour": 11, "minute": 27, "second": 8}
